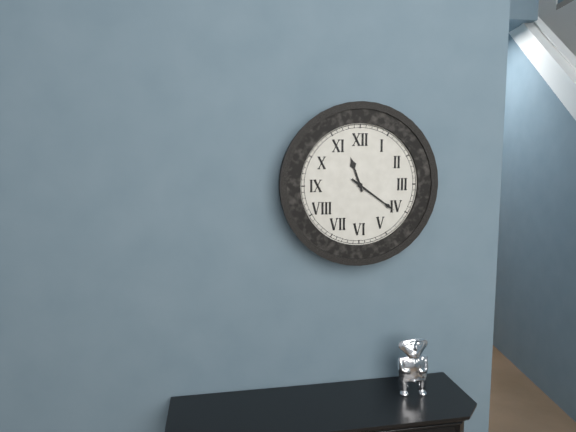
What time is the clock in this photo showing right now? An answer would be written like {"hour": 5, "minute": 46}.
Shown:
{"hour": 11, "minute": 21}
